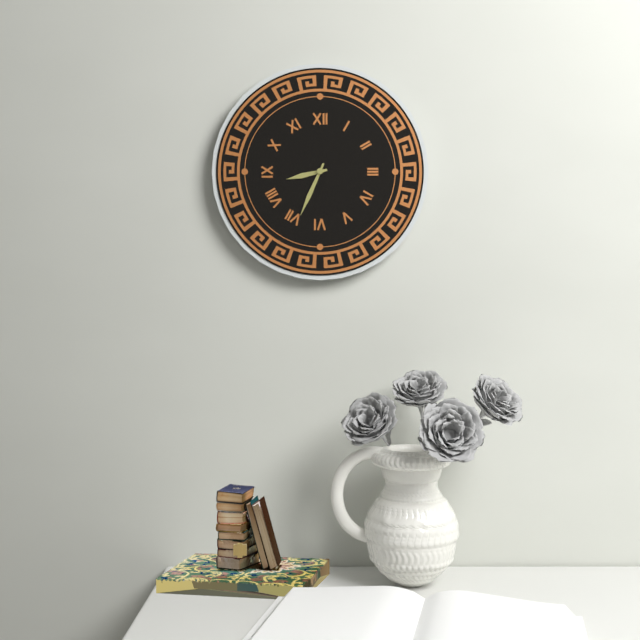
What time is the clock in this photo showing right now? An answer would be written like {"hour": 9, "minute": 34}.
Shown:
{"hour": 8, "minute": 34}
